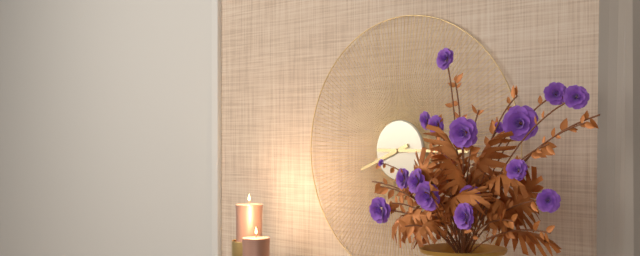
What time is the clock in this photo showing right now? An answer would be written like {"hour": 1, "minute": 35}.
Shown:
{"hour": 8, "minute": 15}
